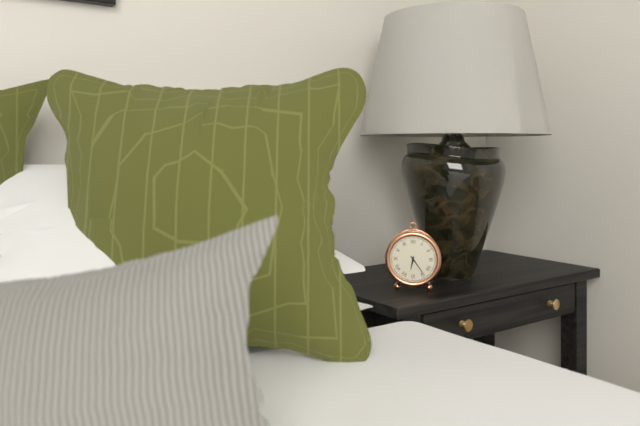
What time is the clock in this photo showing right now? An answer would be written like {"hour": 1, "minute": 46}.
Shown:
{"hour": 6, "minute": 24}
